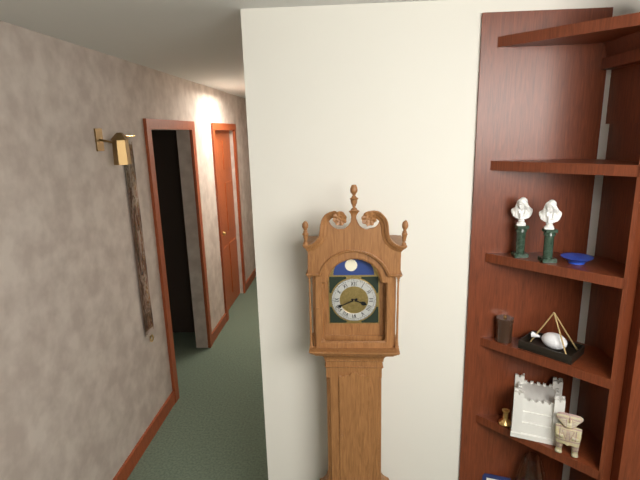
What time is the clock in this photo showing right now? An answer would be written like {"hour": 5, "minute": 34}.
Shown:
{"hour": 3, "minute": 41}
